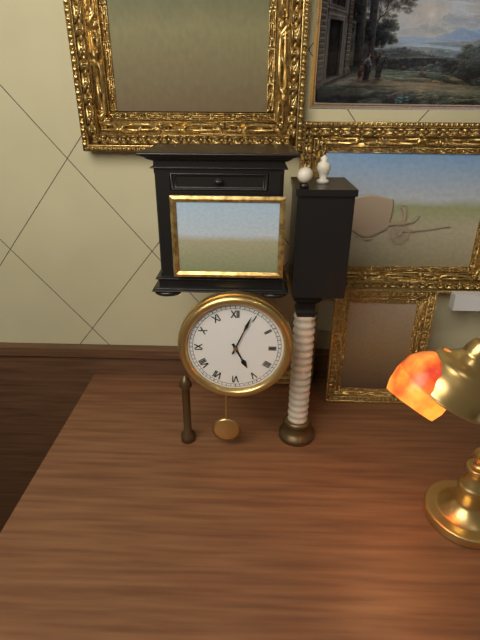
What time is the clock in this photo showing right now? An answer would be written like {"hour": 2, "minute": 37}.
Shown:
{"hour": 5, "minute": 4}
